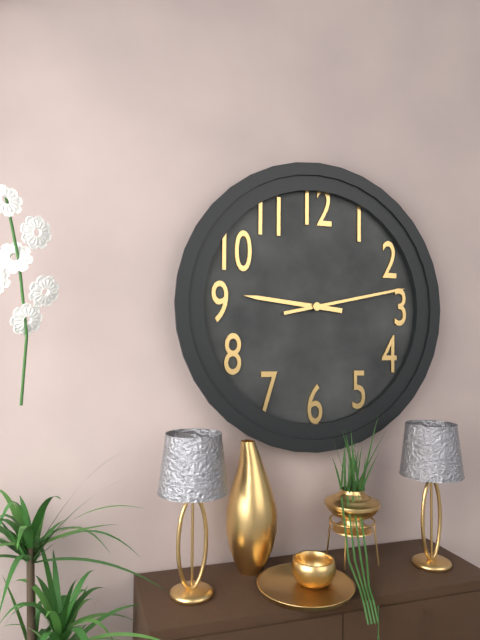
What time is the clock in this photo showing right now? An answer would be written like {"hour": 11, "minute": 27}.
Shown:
{"hour": 9, "minute": 13}
